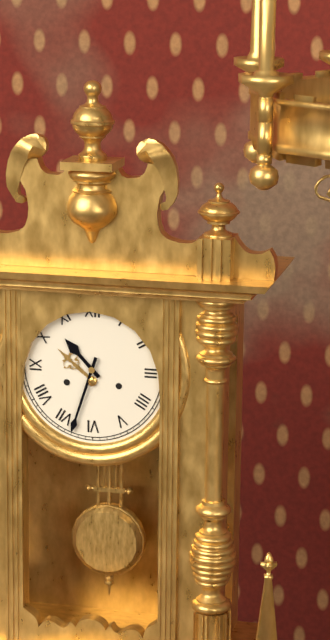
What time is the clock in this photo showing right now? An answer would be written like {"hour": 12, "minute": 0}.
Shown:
{"hour": 10, "minute": 33}
